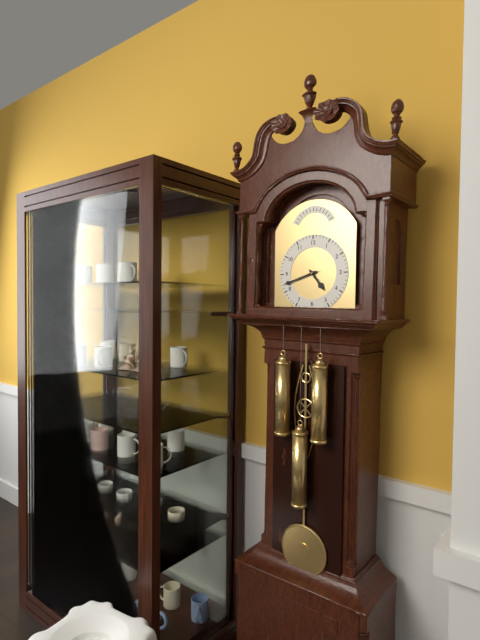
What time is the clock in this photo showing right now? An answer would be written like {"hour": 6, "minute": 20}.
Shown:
{"hour": 4, "minute": 42}
